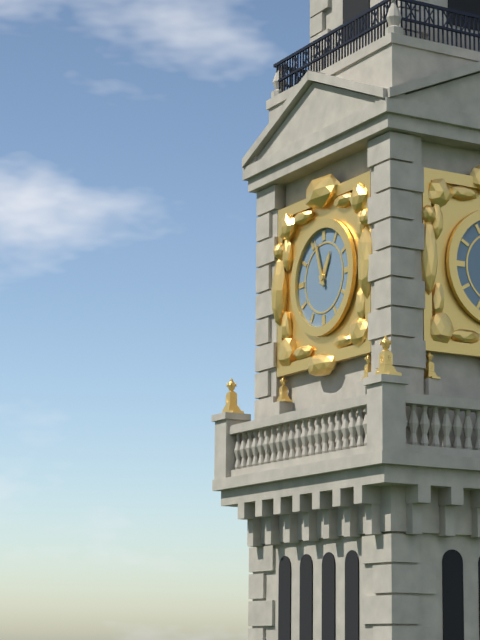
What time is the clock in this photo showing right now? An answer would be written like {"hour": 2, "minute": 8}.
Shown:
{"hour": 12, "minute": 57}
